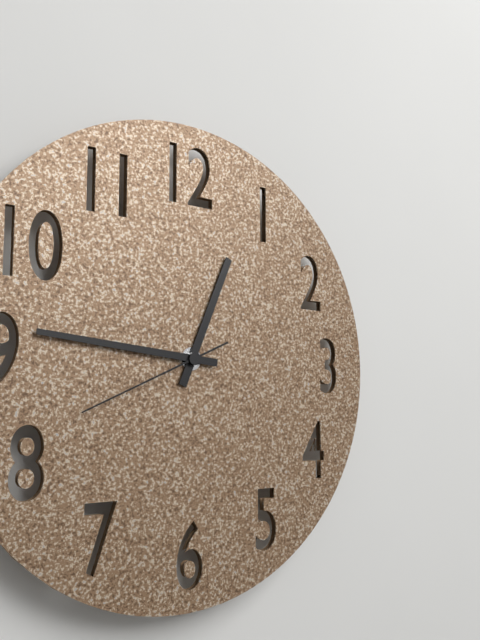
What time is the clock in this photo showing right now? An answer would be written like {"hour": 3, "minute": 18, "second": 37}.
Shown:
{"hour": 12, "minute": 46, "second": 41}
